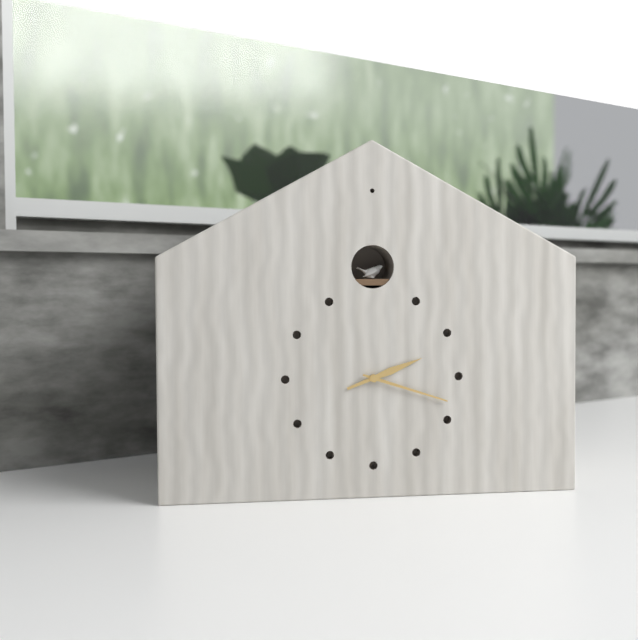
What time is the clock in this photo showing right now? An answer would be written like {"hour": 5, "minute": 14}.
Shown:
{"hour": 2, "minute": 18}
